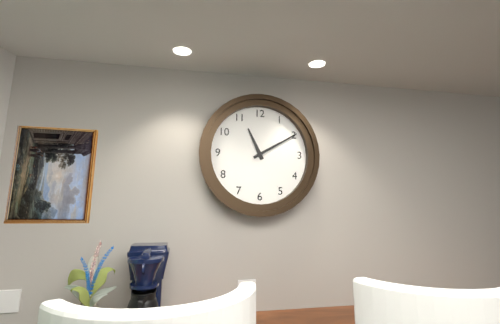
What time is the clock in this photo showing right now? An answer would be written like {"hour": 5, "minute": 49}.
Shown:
{"hour": 11, "minute": 10}
